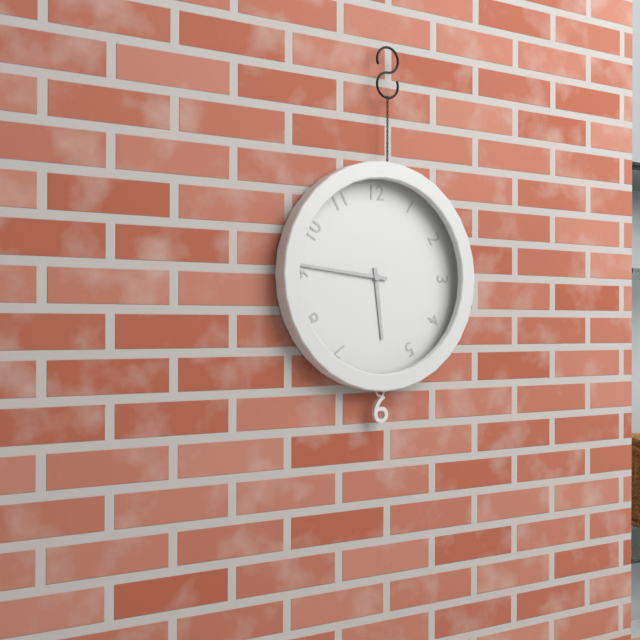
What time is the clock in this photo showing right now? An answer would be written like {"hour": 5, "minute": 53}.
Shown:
{"hour": 5, "minute": 46}
